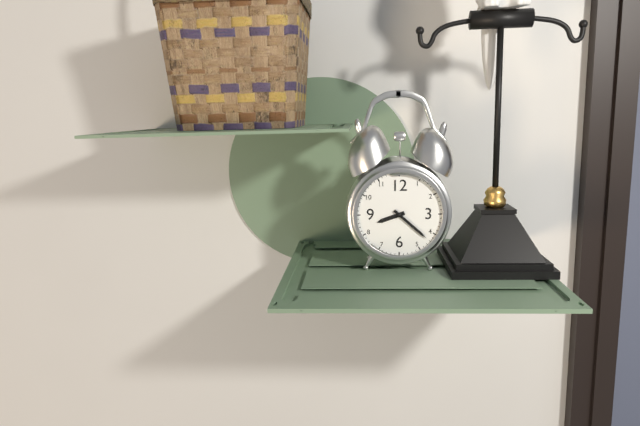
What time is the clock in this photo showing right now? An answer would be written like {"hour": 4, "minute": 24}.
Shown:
{"hour": 8, "minute": 22}
